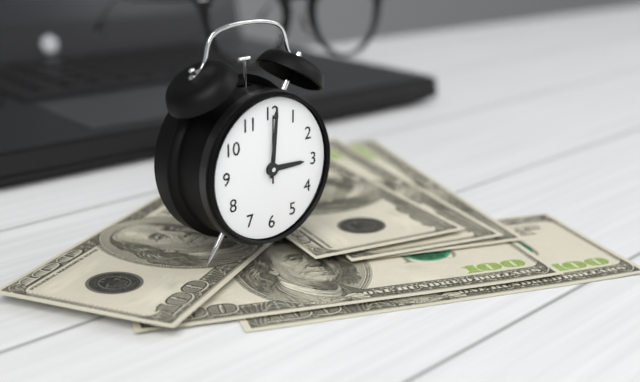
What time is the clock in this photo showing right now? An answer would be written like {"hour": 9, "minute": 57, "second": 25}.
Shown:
{"hour": 3, "minute": 1, "second": 0}
